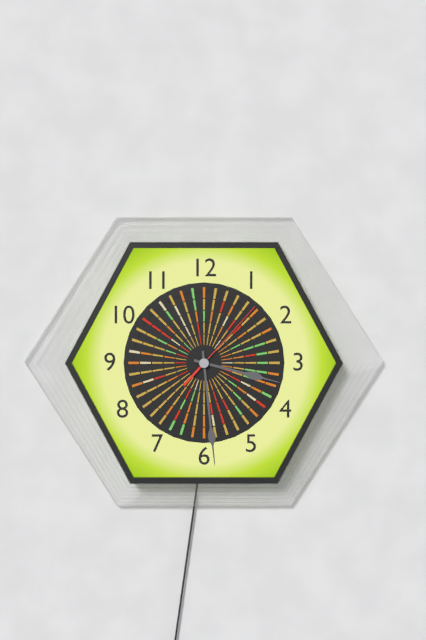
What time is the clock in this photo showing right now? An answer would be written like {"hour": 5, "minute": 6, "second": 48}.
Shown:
{"hour": 3, "minute": 29, "second": 7}
